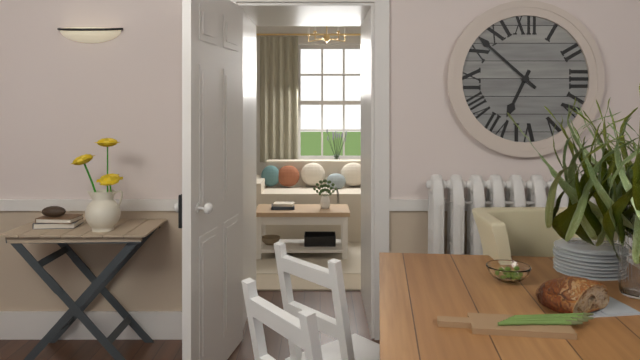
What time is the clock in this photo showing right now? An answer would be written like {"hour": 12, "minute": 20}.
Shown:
{"hour": 6, "minute": 52}
